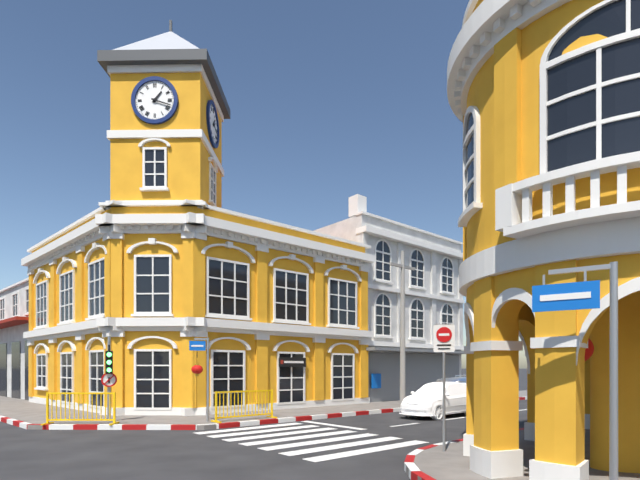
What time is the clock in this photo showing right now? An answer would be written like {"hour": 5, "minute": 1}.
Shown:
{"hour": 1, "minute": 18}
